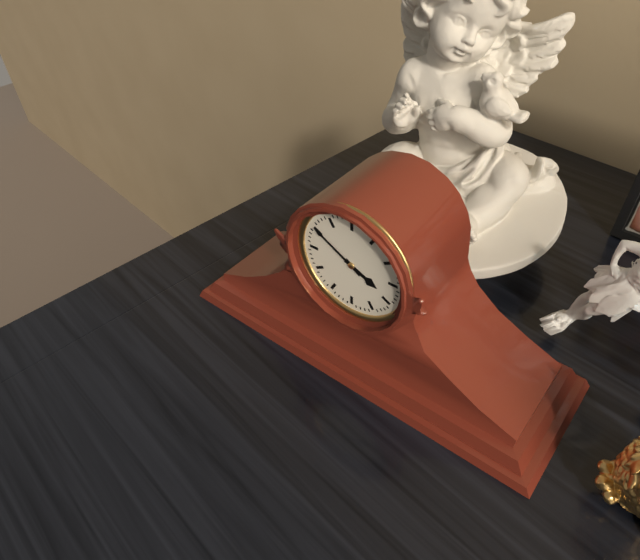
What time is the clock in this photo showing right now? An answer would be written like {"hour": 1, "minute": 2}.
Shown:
{"hour": 3, "minute": 50}
